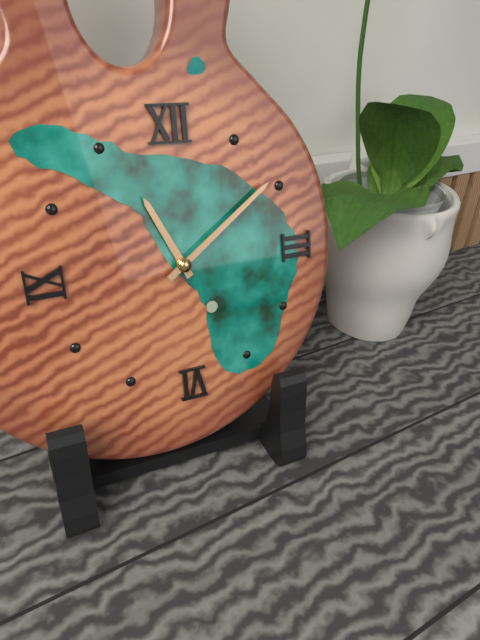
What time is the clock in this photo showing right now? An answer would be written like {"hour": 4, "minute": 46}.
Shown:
{"hour": 11, "minute": 9}
